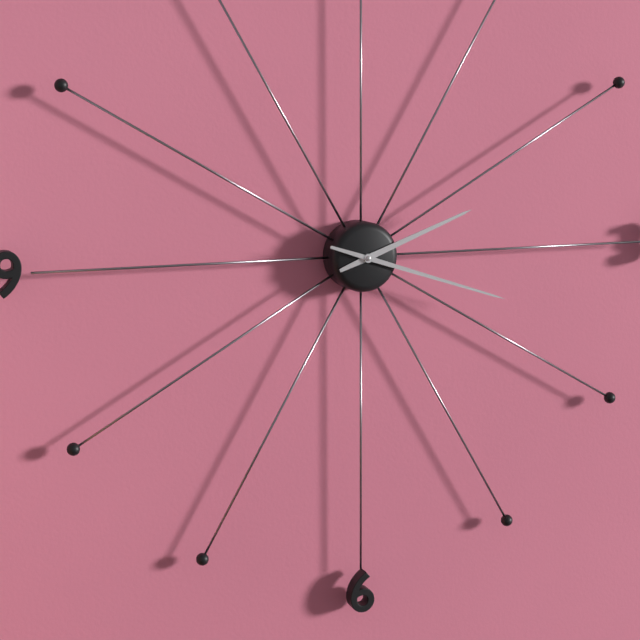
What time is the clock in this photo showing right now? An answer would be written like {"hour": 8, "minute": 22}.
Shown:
{"hour": 2, "minute": 18}
